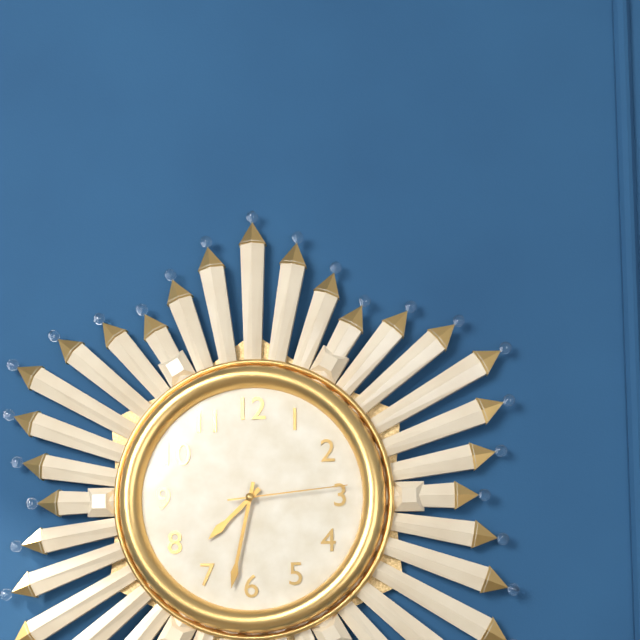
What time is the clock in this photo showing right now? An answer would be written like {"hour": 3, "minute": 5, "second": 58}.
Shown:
{"hour": 7, "minute": 32, "second": 14}
